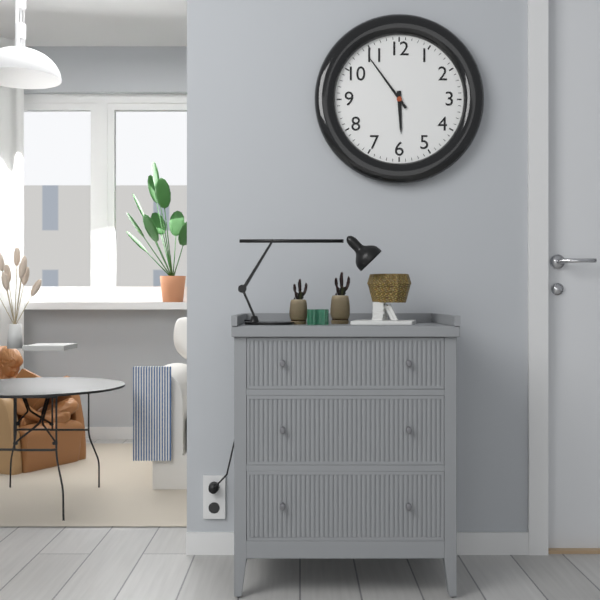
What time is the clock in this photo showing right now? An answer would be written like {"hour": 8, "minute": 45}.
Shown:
{"hour": 5, "minute": 54}
